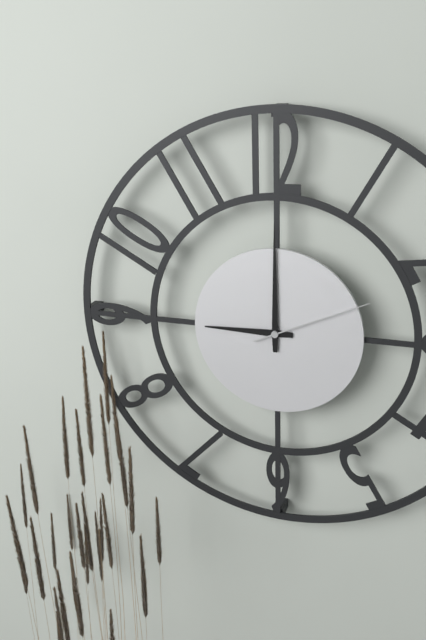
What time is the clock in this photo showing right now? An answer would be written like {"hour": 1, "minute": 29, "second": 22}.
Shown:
{"hour": 9, "minute": 0, "second": 11}
